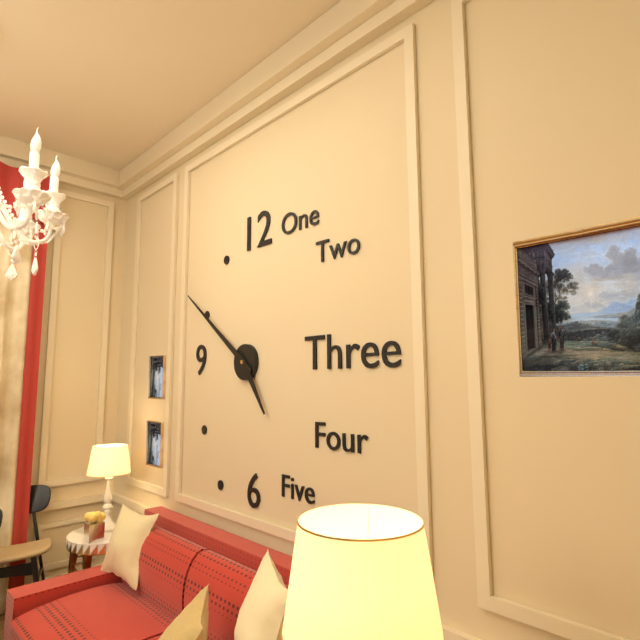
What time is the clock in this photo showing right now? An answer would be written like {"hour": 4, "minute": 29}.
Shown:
{"hour": 4, "minute": 51}
